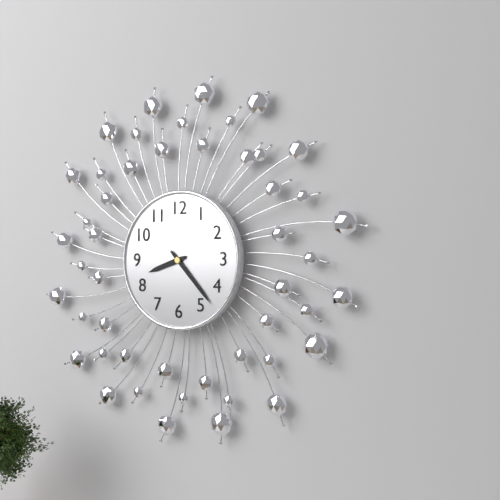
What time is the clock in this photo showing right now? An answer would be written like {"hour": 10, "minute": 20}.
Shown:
{"hour": 8, "minute": 23}
